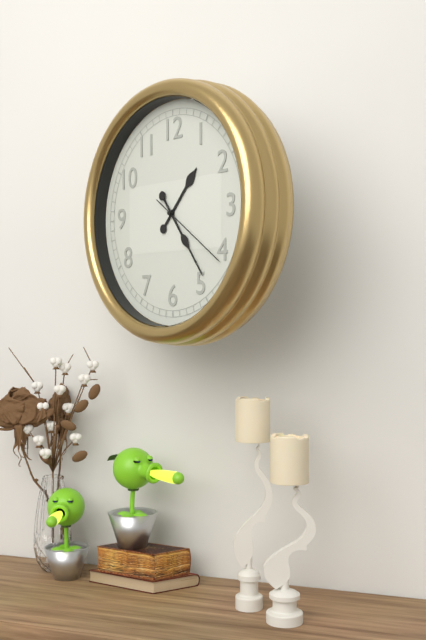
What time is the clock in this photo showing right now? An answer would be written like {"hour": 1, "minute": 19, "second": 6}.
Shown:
{"hour": 1, "minute": 24, "second": 21}
